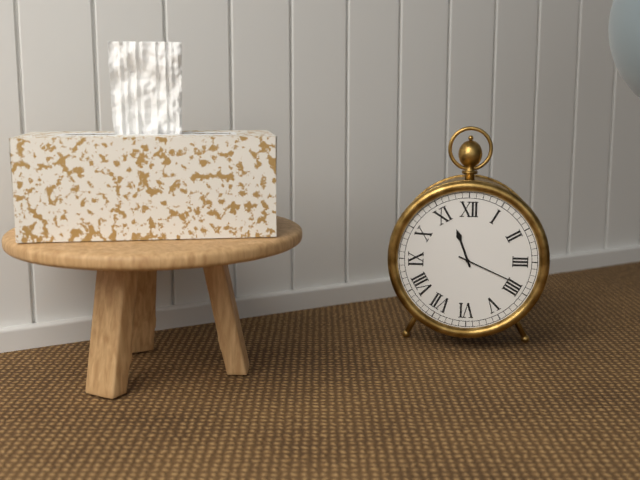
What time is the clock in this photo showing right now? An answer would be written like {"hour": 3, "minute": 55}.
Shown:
{"hour": 11, "minute": 19}
